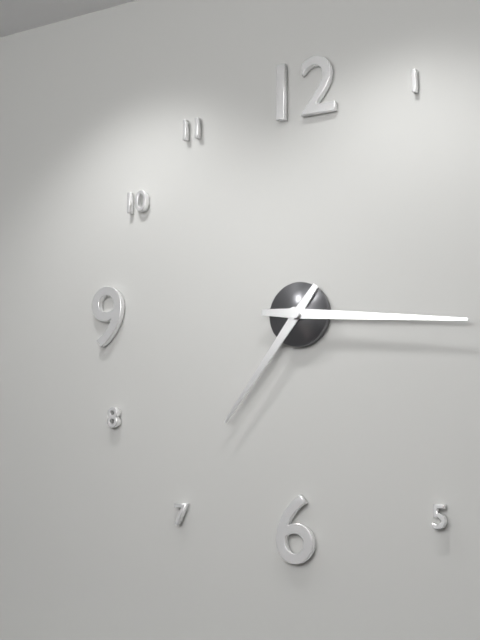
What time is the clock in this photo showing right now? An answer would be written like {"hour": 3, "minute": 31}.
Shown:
{"hour": 7, "minute": 16}
